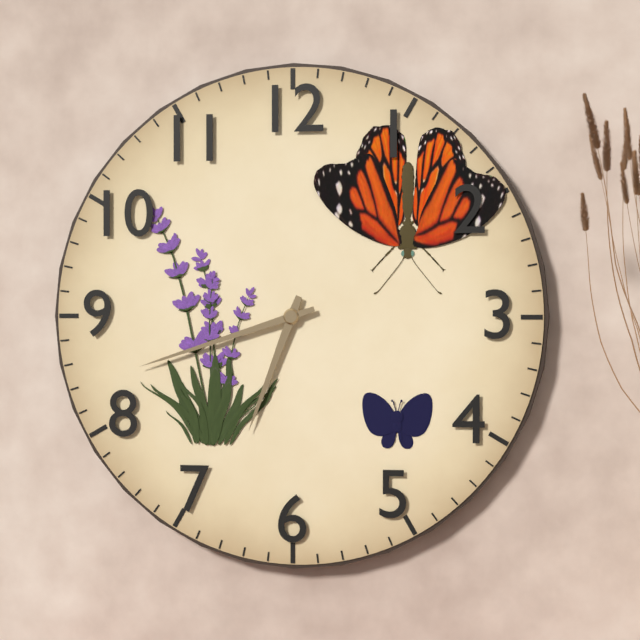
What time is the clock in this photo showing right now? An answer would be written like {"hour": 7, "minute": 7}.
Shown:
{"hour": 6, "minute": 42}
